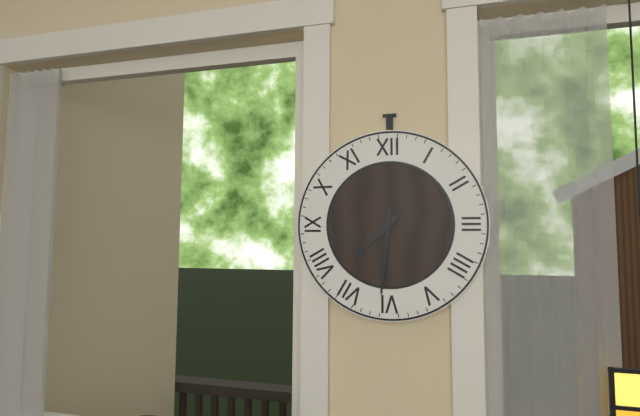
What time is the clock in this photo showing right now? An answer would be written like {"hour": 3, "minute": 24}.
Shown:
{"hour": 7, "minute": 31}
